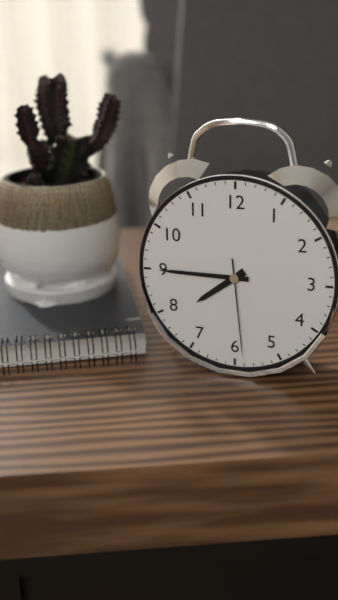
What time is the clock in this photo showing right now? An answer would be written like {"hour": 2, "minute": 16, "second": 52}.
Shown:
{"hour": 7, "minute": 45, "second": 29}
